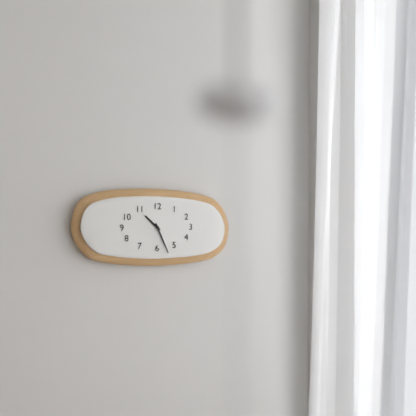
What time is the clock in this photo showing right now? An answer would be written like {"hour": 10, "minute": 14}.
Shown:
{"hour": 10, "minute": 26}
